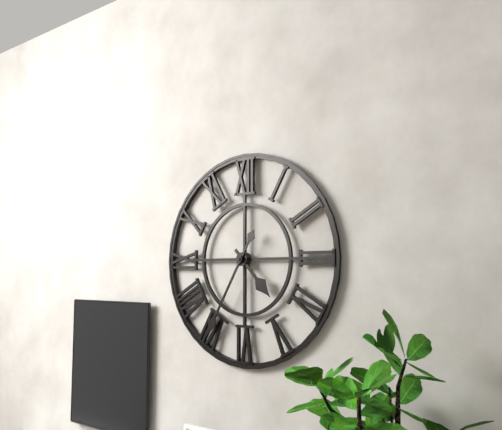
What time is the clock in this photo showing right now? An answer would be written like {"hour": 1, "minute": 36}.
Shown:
{"hour": 4, "minute": 35}
